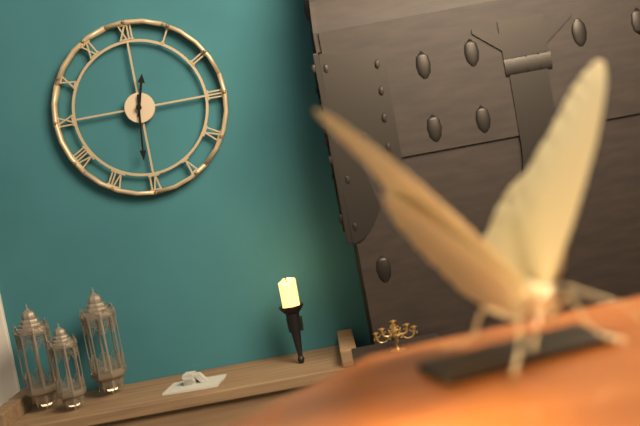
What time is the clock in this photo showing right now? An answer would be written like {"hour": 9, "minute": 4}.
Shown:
{"hour": 12, "minute": 31}
